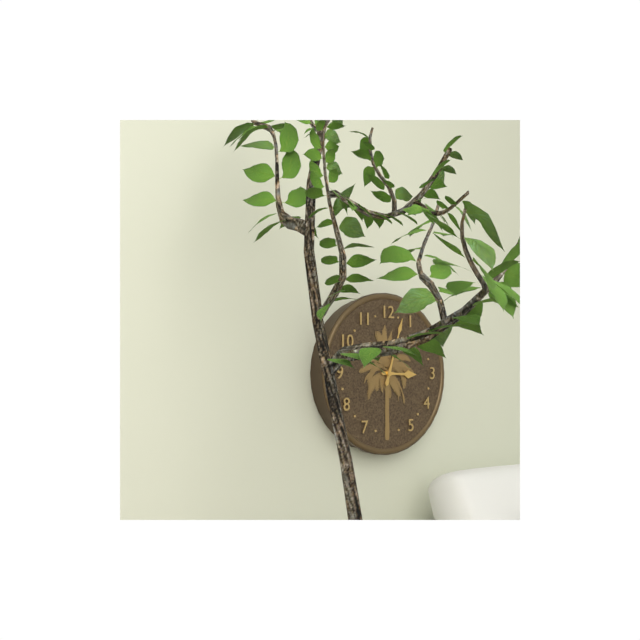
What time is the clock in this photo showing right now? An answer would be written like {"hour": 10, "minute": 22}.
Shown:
{"hour": 3, "minute": 3}
